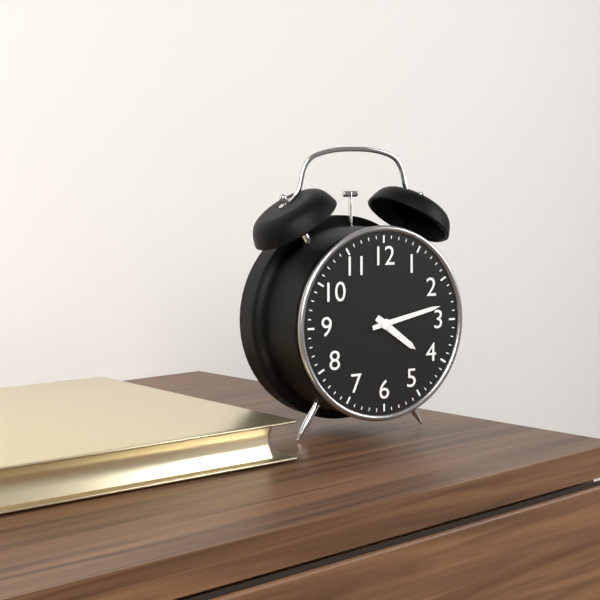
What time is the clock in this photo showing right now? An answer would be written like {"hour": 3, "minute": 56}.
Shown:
{"hour": 4, "minute": 13}
